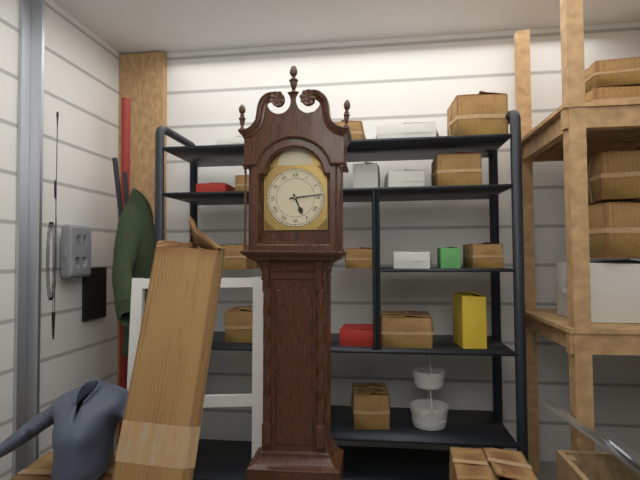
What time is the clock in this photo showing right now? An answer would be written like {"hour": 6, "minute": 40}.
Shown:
{"hour": 5, "minute": 14}
